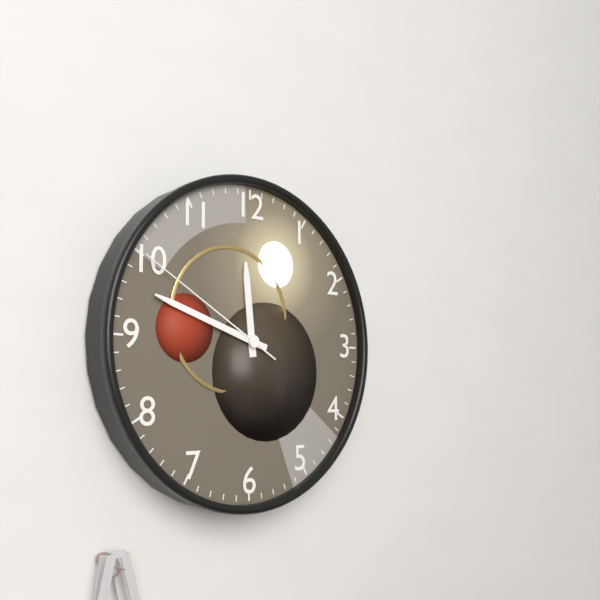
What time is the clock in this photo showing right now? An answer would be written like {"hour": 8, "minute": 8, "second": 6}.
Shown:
{"hour": 11, "minute": 48, "second": 50}
